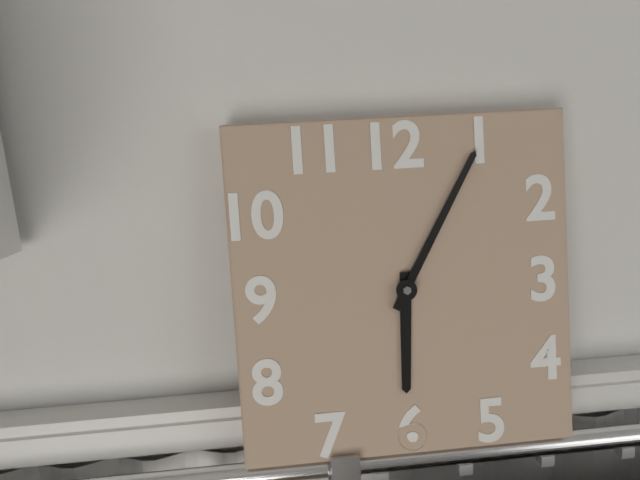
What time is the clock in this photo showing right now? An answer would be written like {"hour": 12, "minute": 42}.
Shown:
{"hour": 6, "minute": 5}
